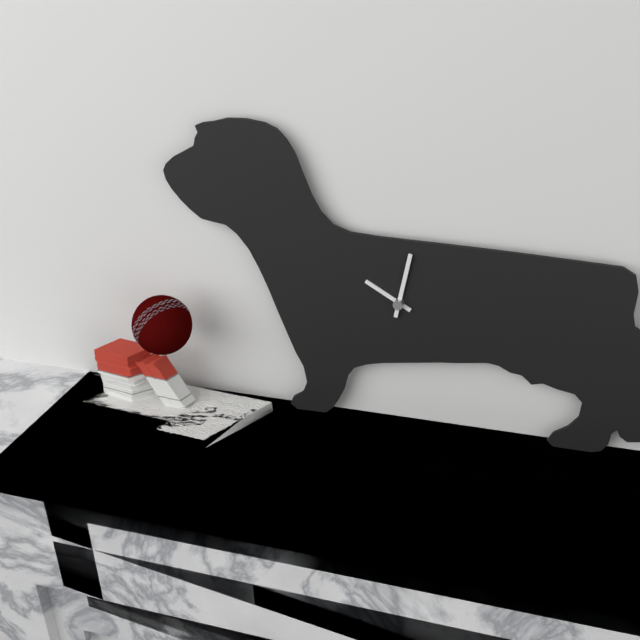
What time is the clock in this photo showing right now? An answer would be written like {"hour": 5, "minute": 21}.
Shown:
{"hour": 10, "minute": 2}
